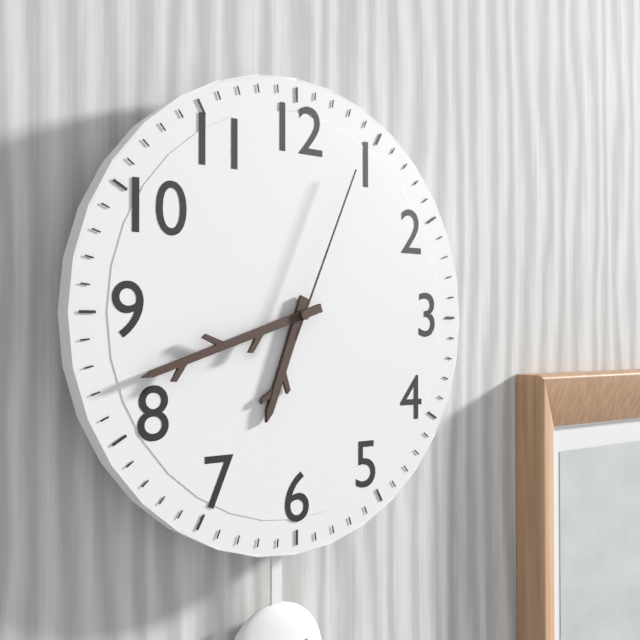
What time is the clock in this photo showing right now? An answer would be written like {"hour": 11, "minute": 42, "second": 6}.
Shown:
{"hour": 6, "minute": 42, "second": 4}
